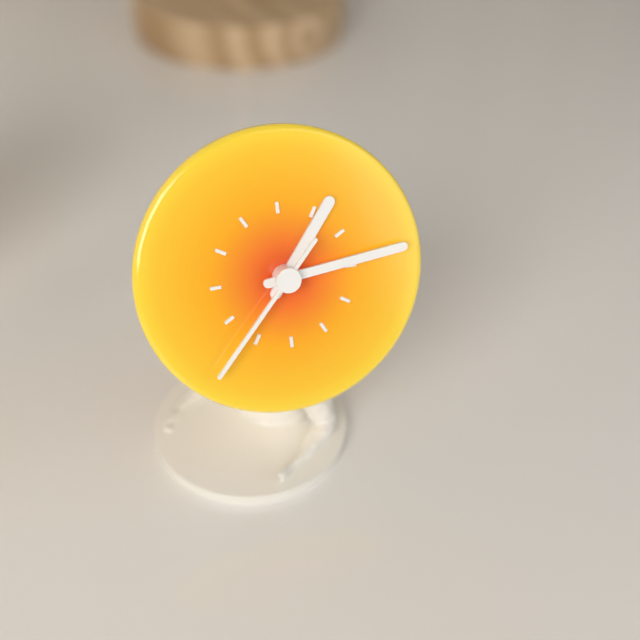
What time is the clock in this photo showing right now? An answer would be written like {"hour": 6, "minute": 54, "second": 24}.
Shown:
{"hour": 1, "minute": 14, "second": 37}
